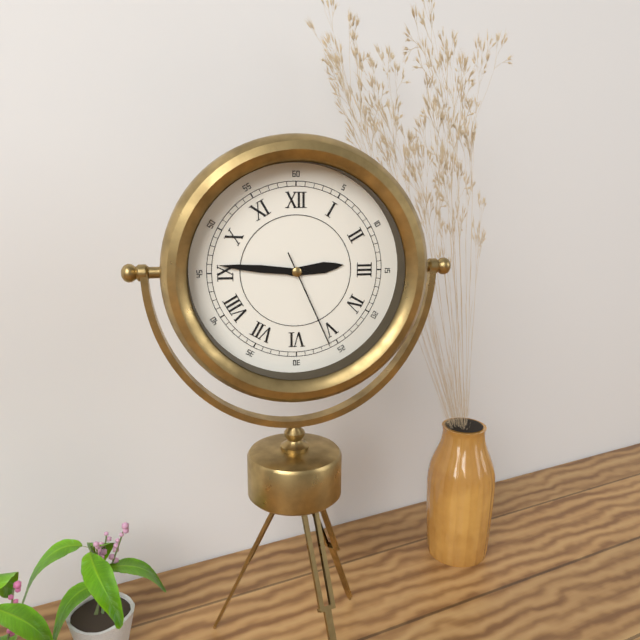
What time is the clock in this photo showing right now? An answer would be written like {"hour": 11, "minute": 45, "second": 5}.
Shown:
{"hour": 2, "minute": 46, "second": 26}
